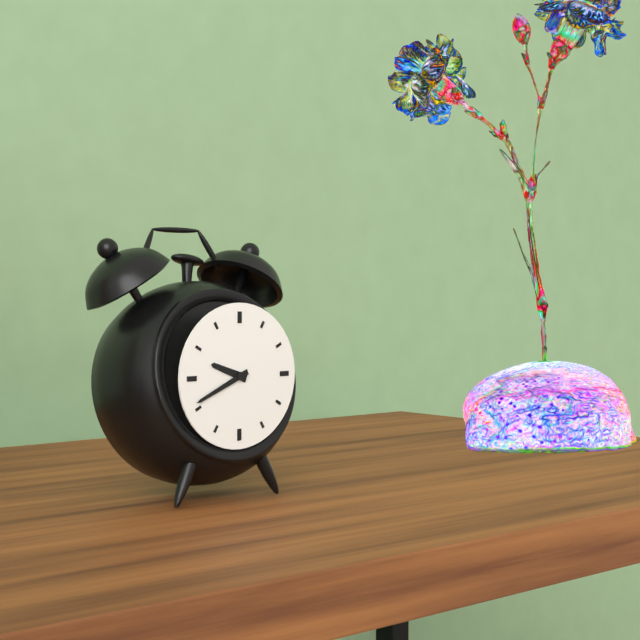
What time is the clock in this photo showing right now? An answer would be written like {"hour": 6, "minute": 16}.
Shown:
{"hour": 9, "minute": 41}
